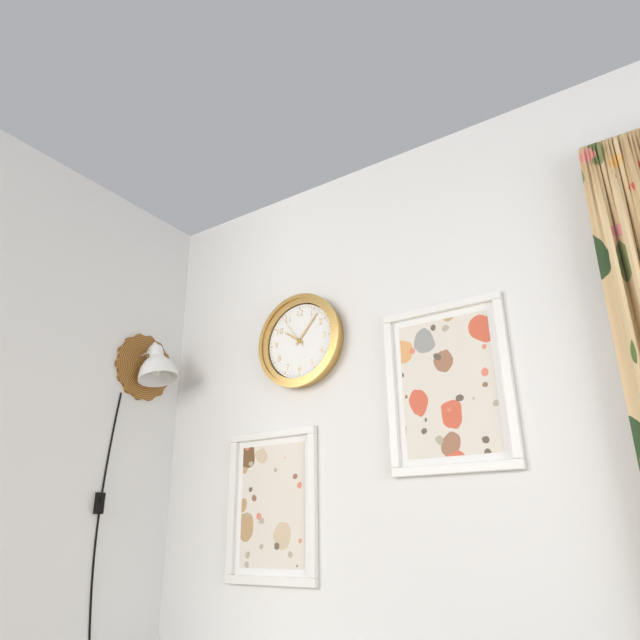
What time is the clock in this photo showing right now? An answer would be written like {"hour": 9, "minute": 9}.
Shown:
{"hour": 10, "minute": 7}
